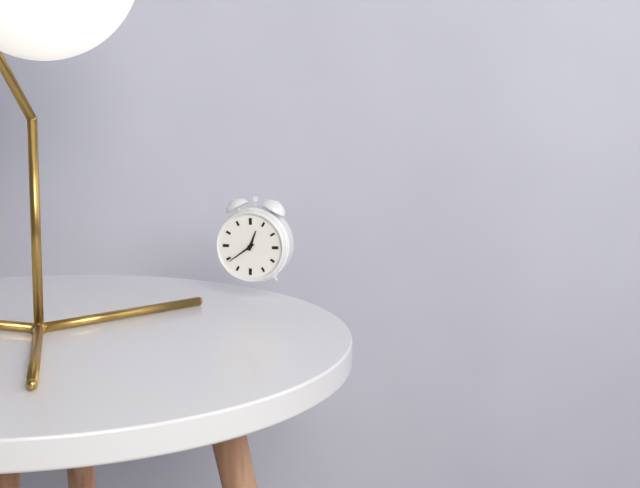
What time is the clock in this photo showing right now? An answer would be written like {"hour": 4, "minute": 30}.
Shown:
{"hour": 12, "minute": 39}
